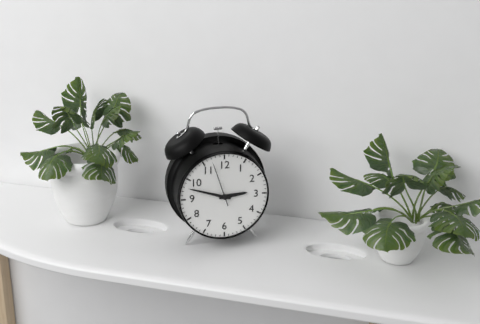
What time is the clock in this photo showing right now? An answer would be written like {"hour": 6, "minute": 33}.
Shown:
{"hour": 2, "minute": 48}
